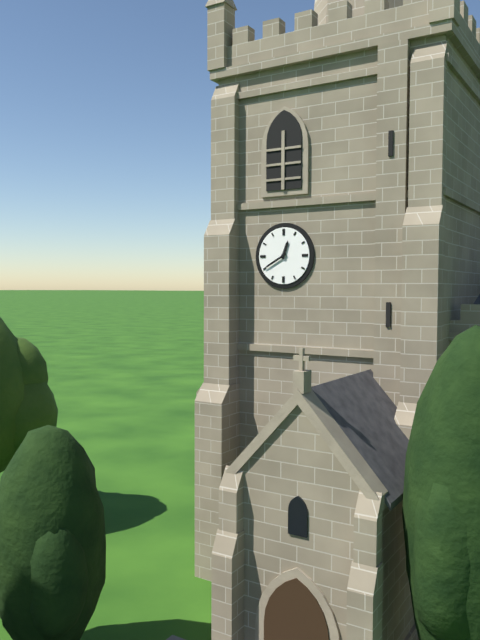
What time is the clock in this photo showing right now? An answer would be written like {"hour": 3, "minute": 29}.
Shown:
{"hour": 12, "minute": 40}
